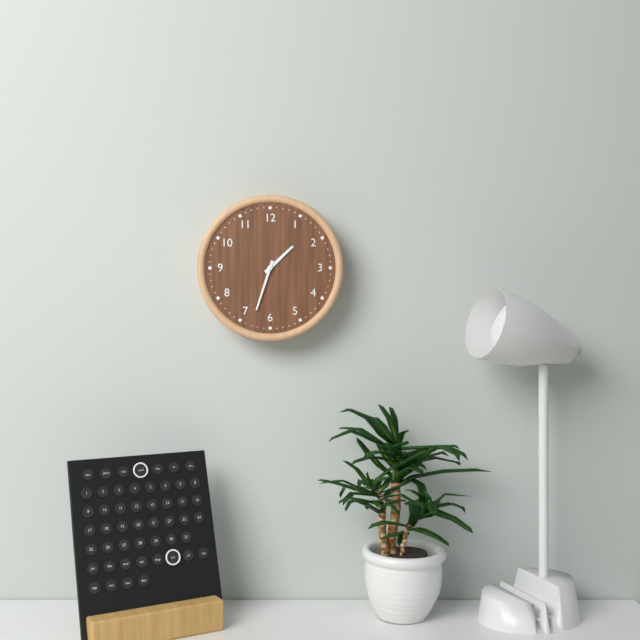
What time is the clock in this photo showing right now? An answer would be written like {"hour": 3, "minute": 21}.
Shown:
{"hour": 1, "minute": 33}
